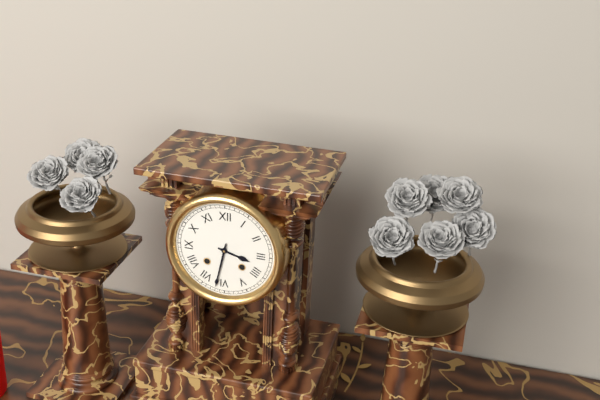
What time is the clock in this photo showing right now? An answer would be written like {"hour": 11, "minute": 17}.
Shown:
{"hour": 3, "minute": 32}
